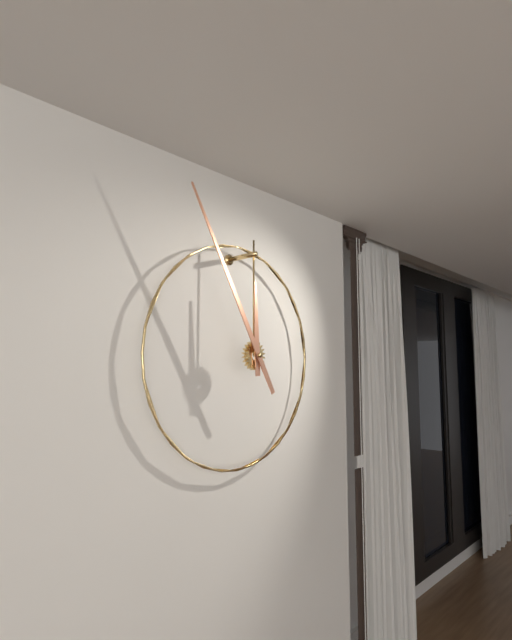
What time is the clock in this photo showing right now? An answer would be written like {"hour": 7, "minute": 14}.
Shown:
{"hour": 11, "minute": 55}
